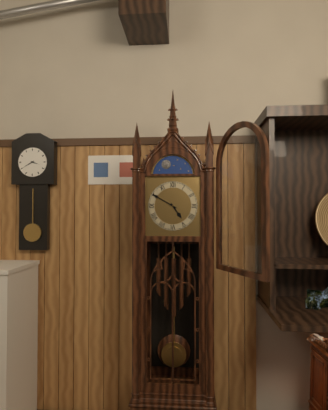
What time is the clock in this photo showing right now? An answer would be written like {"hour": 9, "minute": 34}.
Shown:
{"hour": 4, "minute": 50}
